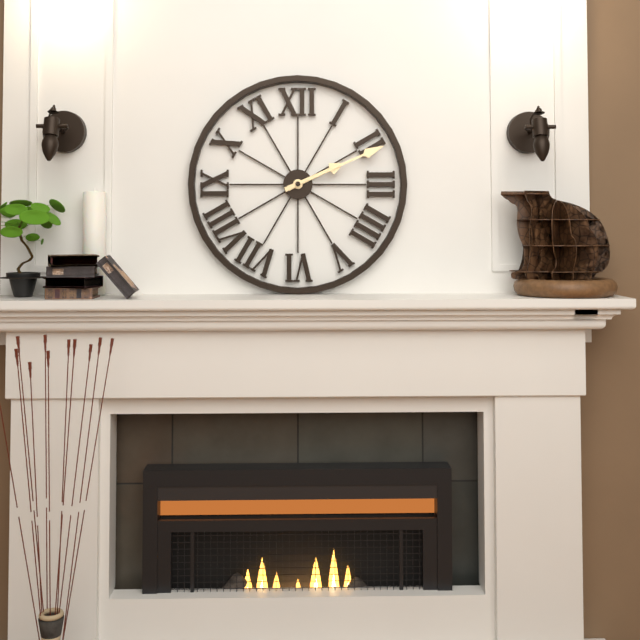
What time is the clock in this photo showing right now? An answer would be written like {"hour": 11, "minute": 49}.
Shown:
{"hour": 2, "minute": 11}
